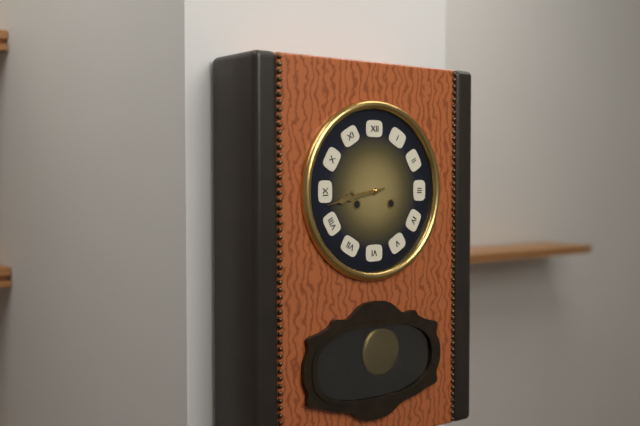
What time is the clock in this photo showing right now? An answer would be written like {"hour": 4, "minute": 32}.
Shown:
{"hour": 8, "minute": 43}
